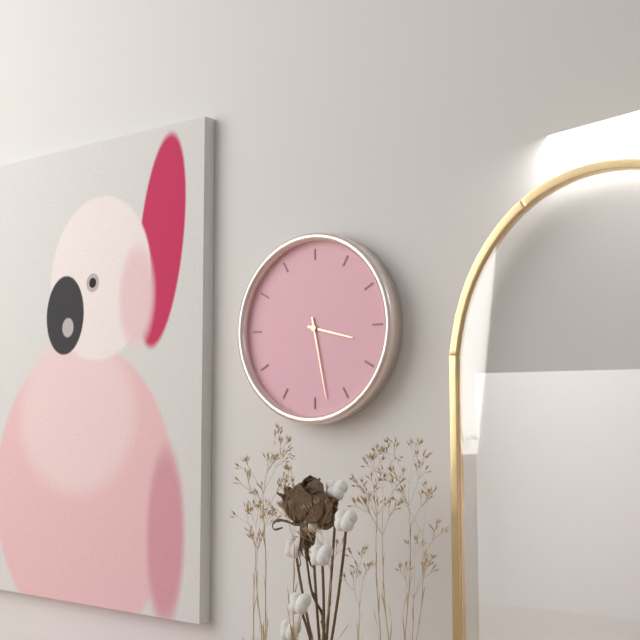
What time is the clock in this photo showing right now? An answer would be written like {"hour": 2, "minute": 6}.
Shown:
{"hour": 3, "minute": 28}
